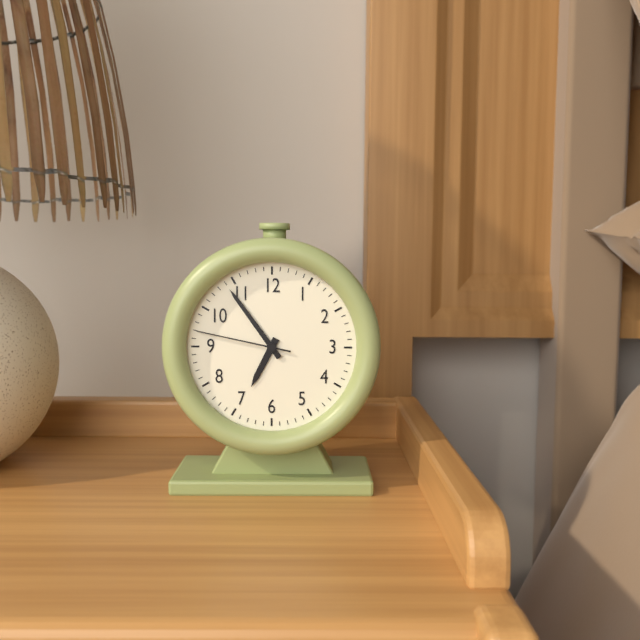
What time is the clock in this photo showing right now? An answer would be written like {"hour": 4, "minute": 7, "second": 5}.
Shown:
{"hour": 6, "minute": 54, "second": 47}
